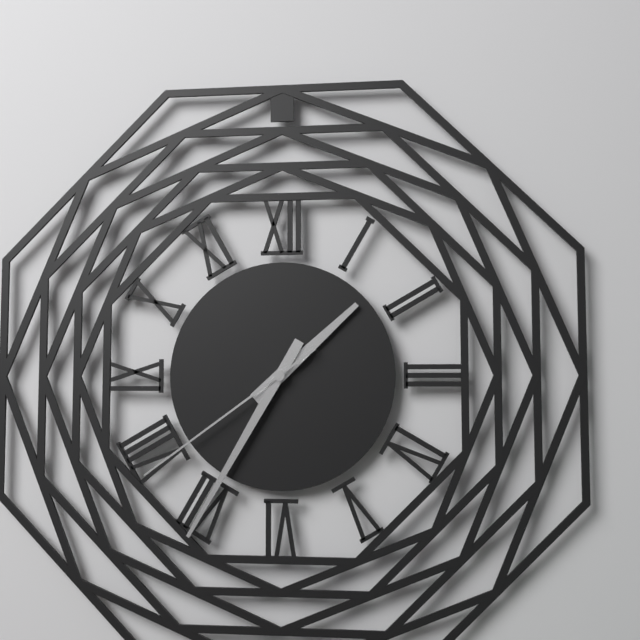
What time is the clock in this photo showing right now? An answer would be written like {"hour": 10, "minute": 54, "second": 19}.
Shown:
{"hour": 1, "minute": 35, "second": 39}
